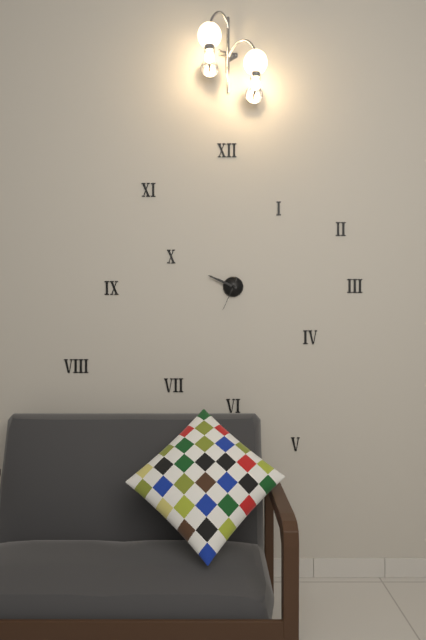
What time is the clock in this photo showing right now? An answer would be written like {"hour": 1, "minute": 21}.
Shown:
{"hour": 9, "minute": 49}
